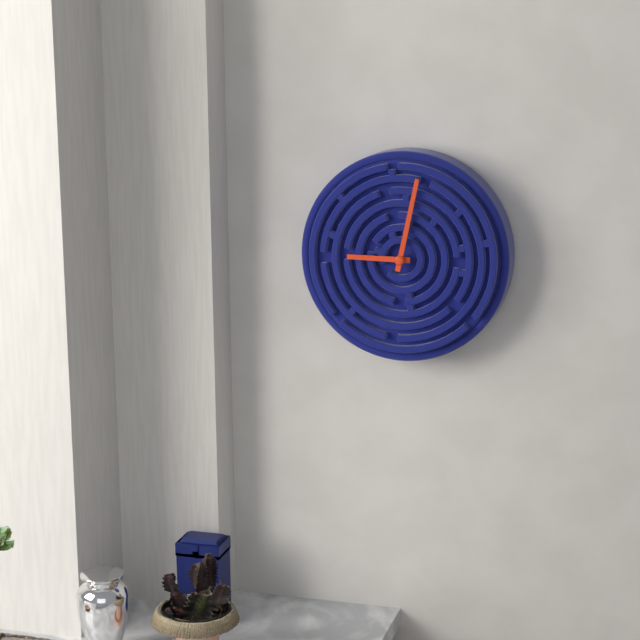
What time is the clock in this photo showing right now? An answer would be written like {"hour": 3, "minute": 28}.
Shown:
{"hour": 9, "minute": 2}
